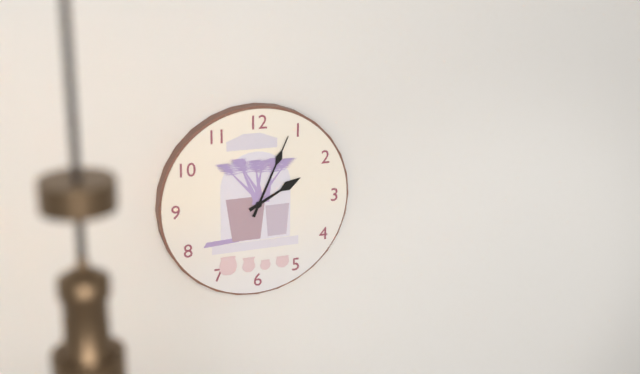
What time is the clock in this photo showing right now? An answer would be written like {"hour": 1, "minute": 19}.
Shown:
{"hour": 2, "minute": 4}
